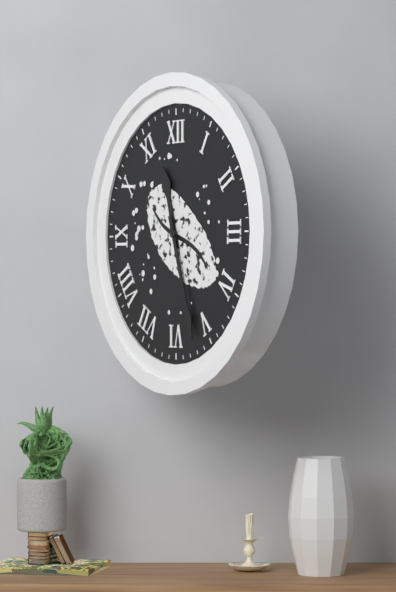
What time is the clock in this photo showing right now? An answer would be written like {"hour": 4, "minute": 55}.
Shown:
{"hour": 11, "minute": 27}
